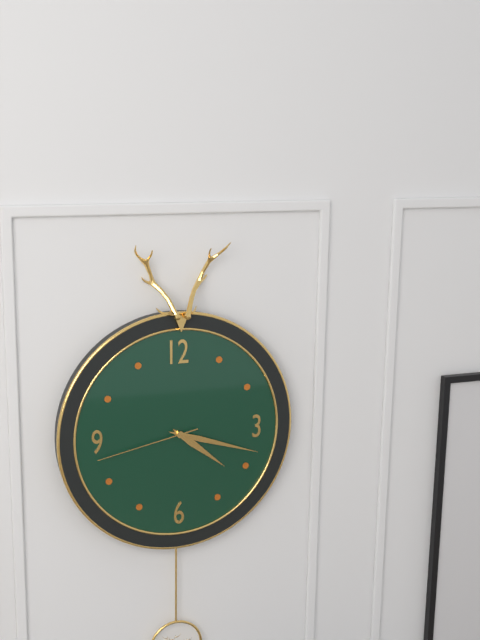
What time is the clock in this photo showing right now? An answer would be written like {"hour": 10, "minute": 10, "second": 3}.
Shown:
{"hour": 4, "minute": 18, "second": 43}
